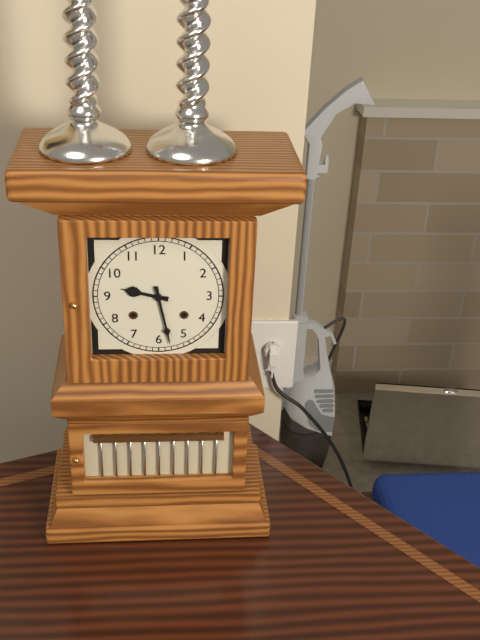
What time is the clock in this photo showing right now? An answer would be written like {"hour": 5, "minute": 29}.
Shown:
{"hour": 9, "minute": 28}
